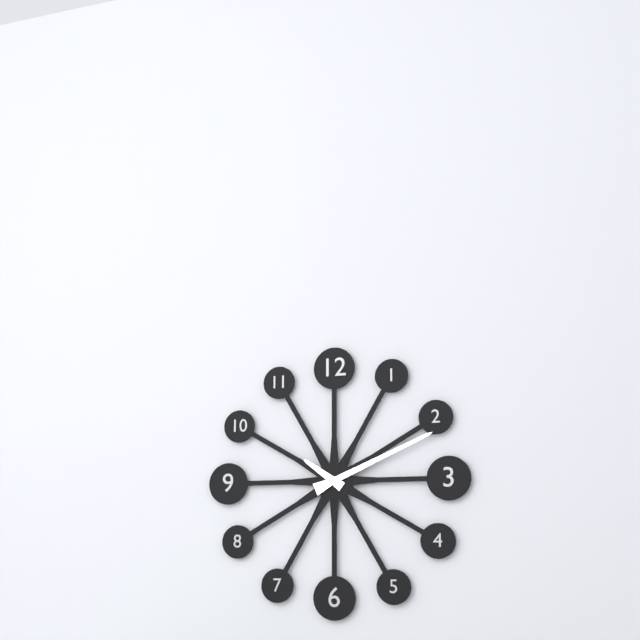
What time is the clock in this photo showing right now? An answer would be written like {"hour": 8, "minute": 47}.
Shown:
{"hour": 10, "minute": 11}
